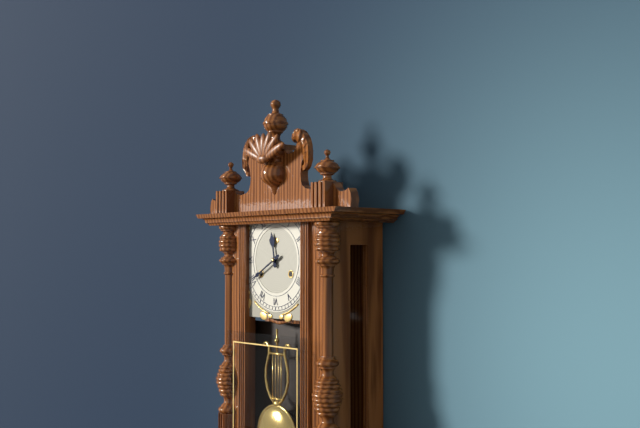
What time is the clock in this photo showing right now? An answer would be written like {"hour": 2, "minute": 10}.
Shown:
{"hour": 11, "minute": 40}
